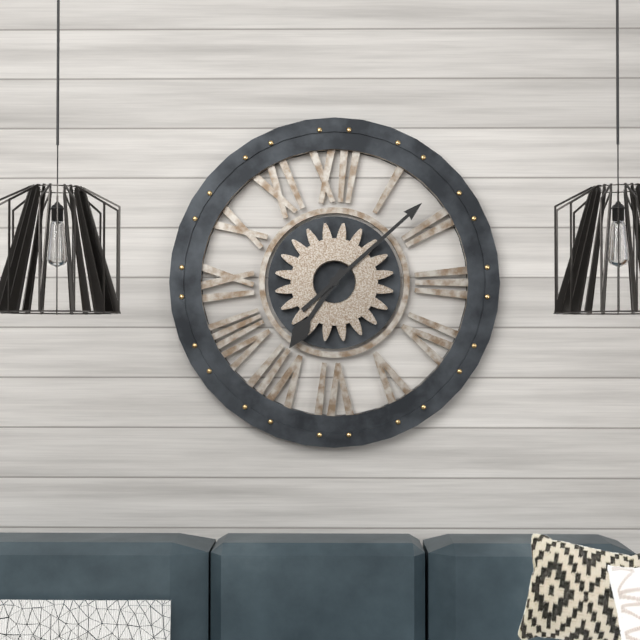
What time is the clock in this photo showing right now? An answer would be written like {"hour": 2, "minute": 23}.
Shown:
{"hour": 7, "minute": 8}
